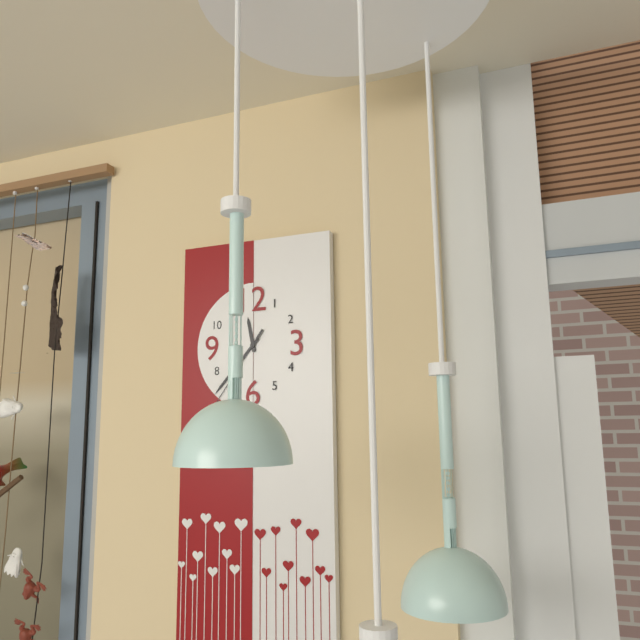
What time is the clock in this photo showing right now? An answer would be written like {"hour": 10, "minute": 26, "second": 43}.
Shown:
{"hour": 11, "minute": 37, "second": 36}
